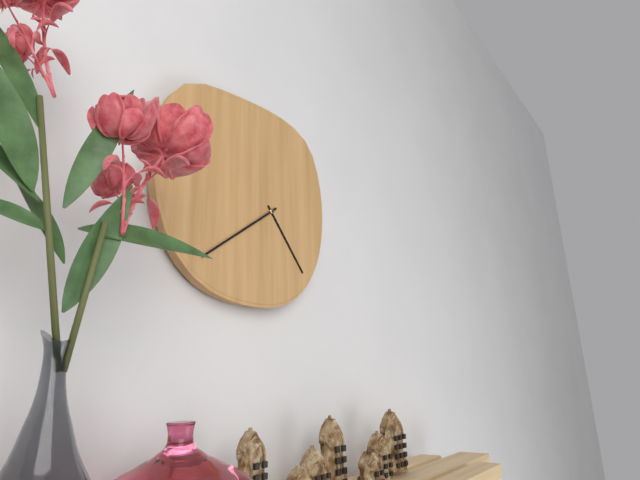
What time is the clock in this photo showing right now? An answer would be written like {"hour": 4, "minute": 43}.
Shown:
{"hour": 4, "minute": 39}
